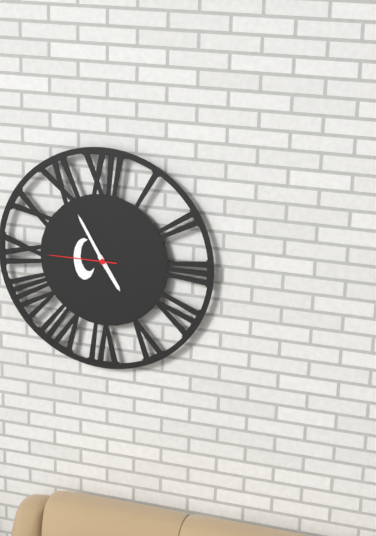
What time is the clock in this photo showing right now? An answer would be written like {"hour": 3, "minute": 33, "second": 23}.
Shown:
{"hour": 4, "minute": 55, "second": 45}
